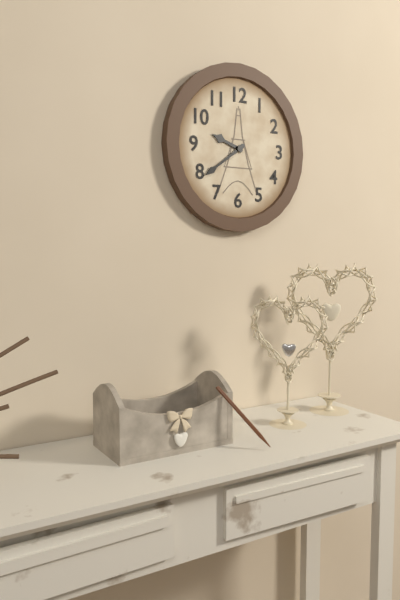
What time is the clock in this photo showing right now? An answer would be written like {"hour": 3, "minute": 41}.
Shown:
{"hour": 9, "minute": 39}
